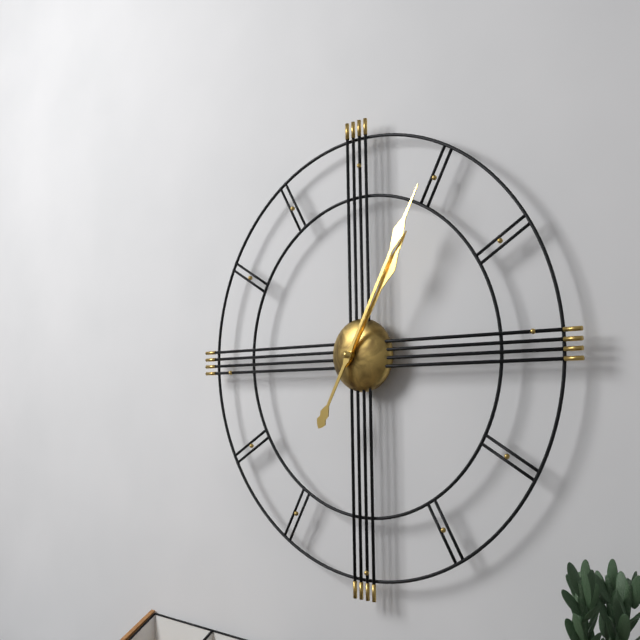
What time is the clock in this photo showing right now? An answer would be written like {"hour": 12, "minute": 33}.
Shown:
{"hour": 1, "minute": 5}
